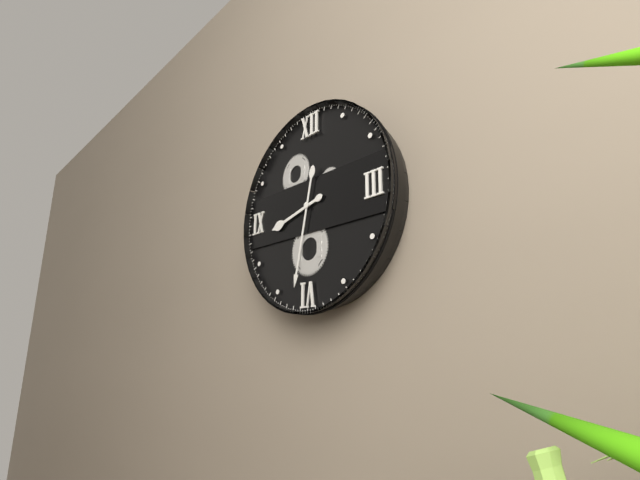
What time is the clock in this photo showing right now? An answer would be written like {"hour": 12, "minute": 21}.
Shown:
{"hour": 8, "minute": 32}
